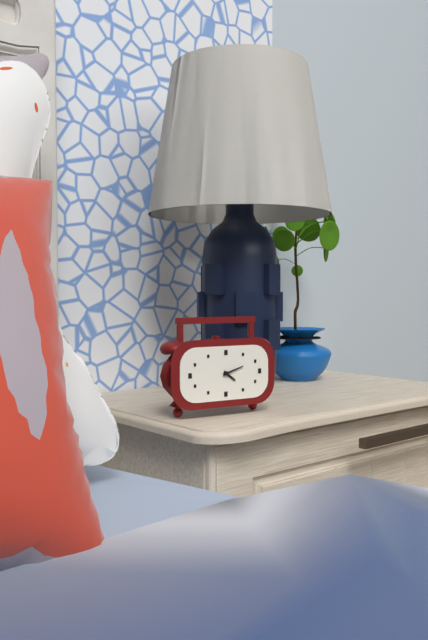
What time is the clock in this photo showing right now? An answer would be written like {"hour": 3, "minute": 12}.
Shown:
{"hour": 4, "minute": 12}
